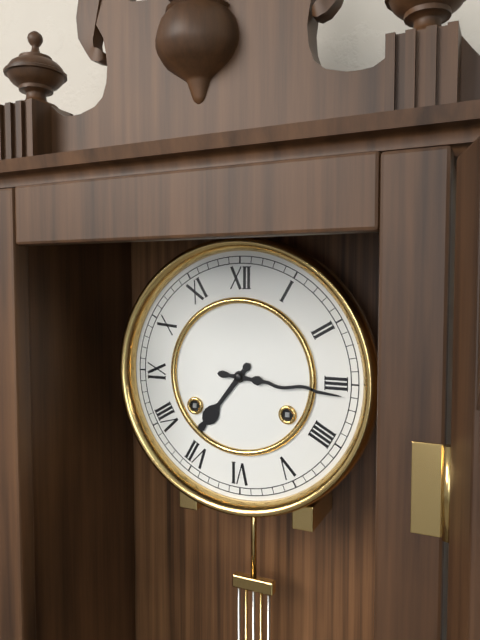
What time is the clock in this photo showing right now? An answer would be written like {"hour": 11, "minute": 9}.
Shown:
{"hour": 7, "minute": 16}
